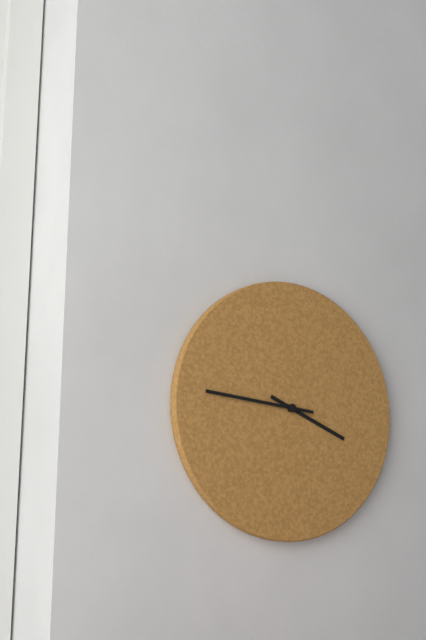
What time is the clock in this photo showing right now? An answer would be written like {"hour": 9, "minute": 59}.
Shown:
{"hour": 3, "minute": 46}
